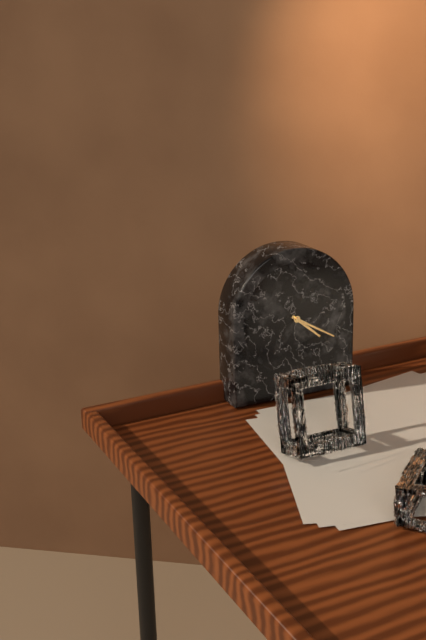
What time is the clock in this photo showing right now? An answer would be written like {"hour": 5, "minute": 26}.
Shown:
{"hour": 4, "minute": 20}
